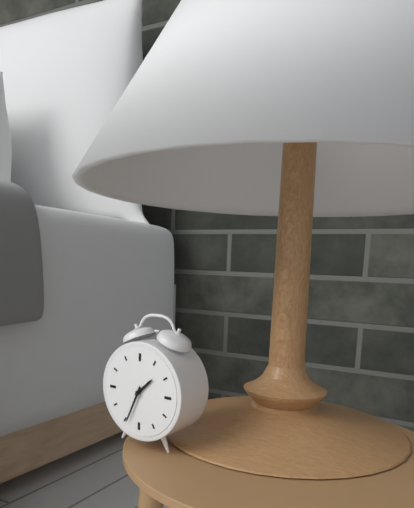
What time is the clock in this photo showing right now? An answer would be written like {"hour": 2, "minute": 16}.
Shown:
{"hour": 1, "minute": 34}
